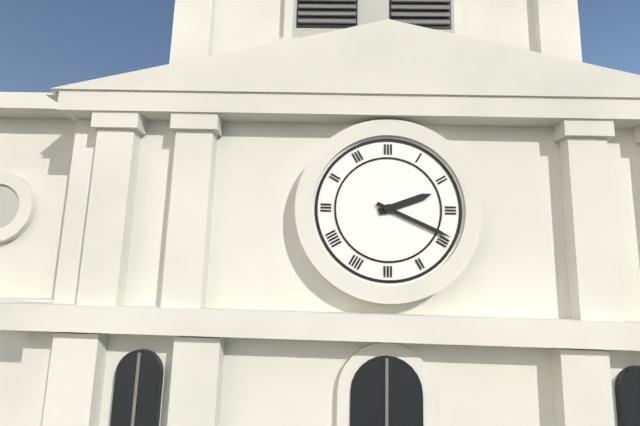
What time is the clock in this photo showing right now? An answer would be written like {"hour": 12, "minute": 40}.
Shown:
{"hour": 2, "minute": 19}
